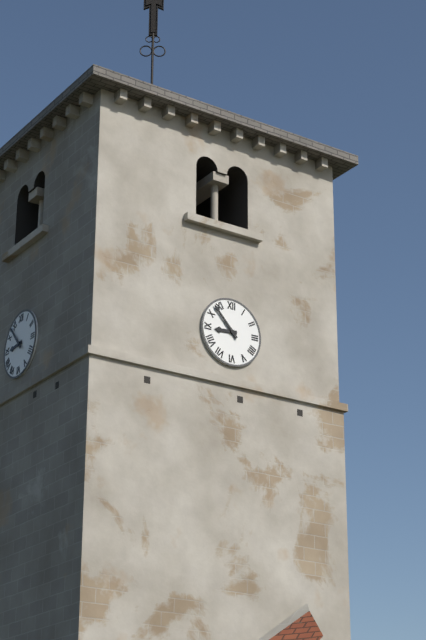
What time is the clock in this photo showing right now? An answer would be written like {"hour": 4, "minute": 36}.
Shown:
{"hour": 8, "minute": 53}
